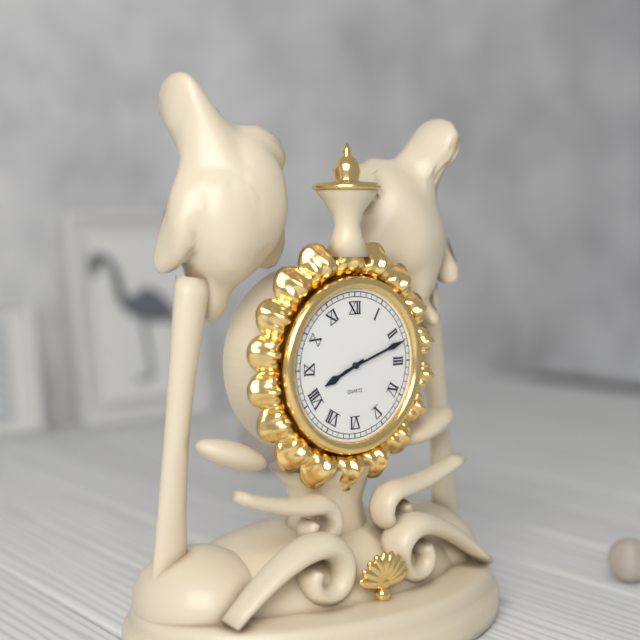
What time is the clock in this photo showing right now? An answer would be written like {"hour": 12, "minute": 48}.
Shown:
{"hour": 8, "minute": 12}
